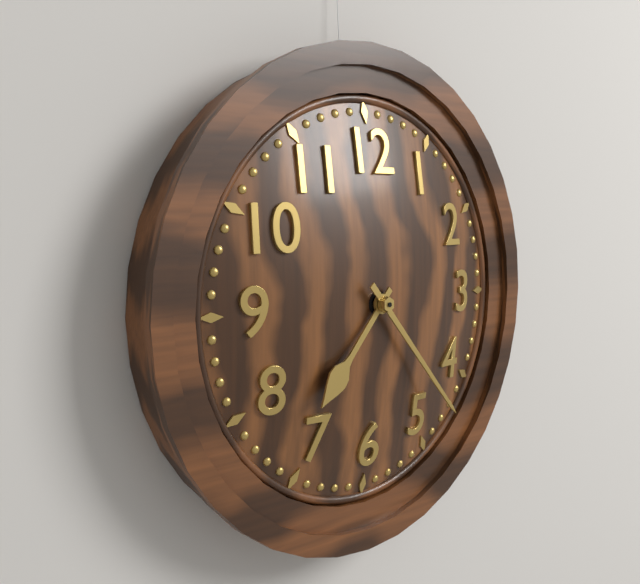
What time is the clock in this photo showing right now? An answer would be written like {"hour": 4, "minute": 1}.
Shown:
{"hour": 7, "minute": 23}
